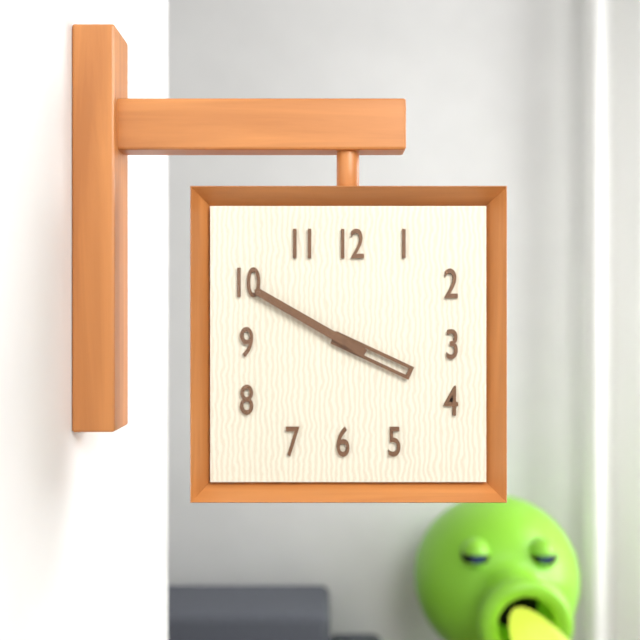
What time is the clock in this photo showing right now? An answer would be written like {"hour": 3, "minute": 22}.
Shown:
{"hour": 3, "minute": 50}
